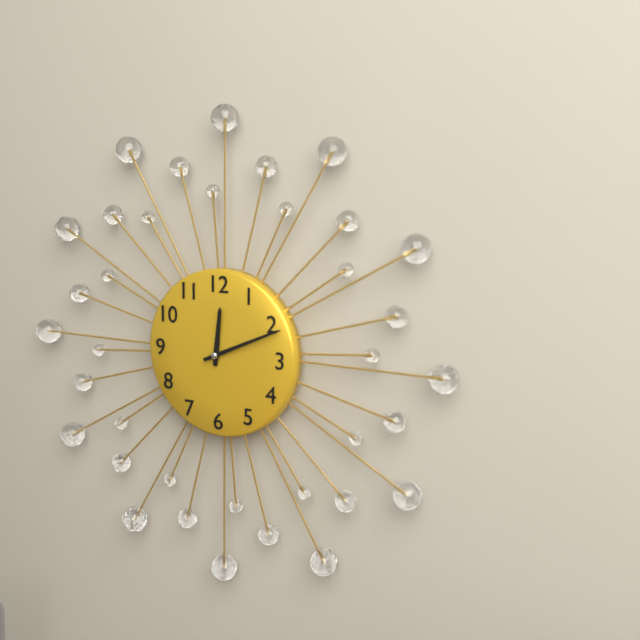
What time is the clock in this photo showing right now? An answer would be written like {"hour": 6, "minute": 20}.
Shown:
{"hour": 12, "minute": 11}
